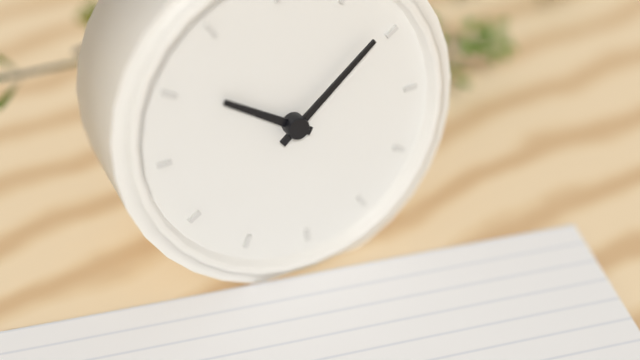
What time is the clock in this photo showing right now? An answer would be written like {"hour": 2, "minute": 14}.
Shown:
{"hour": 10, "minute": 9}
